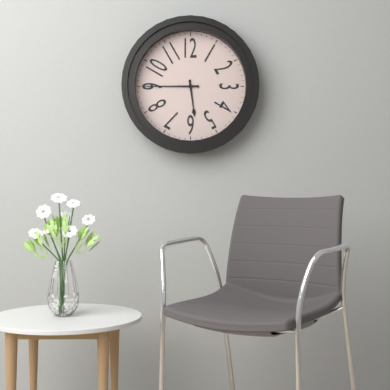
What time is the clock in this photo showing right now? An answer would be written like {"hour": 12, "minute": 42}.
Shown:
{"hour": 5, "minute": 45}
